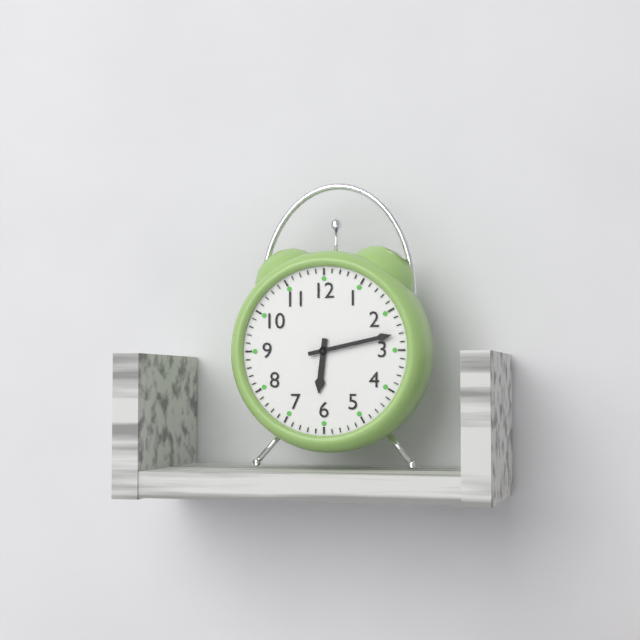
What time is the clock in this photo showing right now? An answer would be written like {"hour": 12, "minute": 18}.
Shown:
{"hour": 6, "minute": 13}
